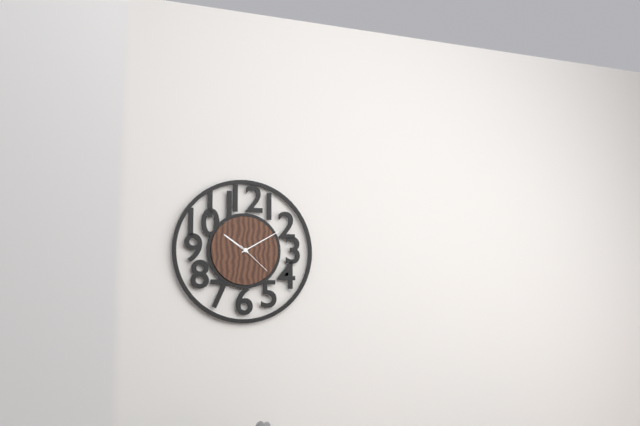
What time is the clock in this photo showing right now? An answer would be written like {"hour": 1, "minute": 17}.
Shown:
{"hour": 10, "minute": 10}
